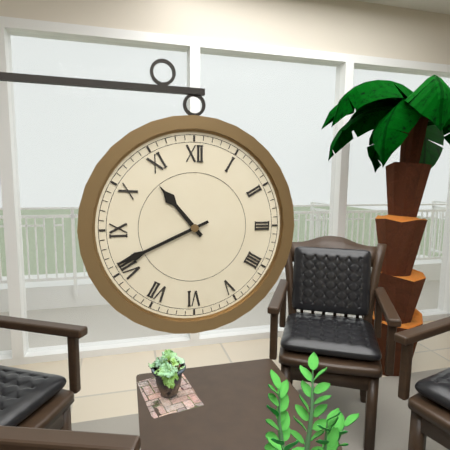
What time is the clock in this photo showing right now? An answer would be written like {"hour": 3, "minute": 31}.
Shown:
{"hour": 10, "minute": 41}
